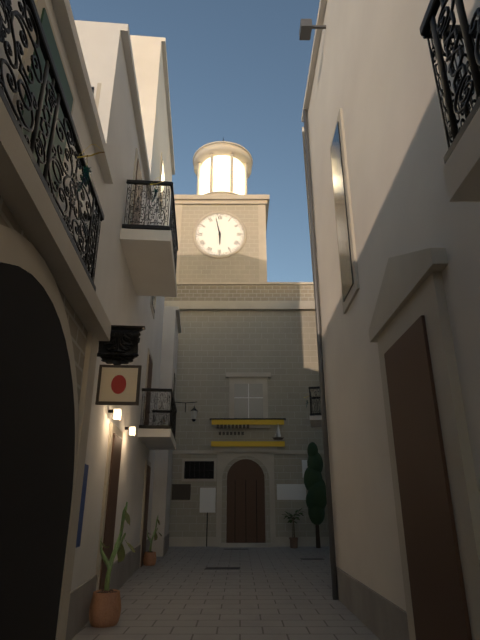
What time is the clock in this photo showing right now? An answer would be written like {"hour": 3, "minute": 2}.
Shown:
{"hour": 5, "minute": 58}
